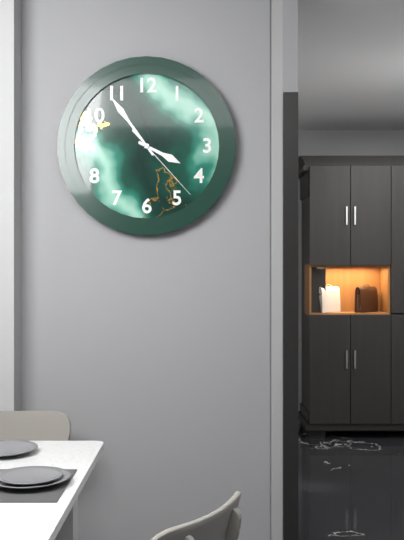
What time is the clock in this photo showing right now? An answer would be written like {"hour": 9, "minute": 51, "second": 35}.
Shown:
{"hour": 3, "minute": 54, "second": 23}
